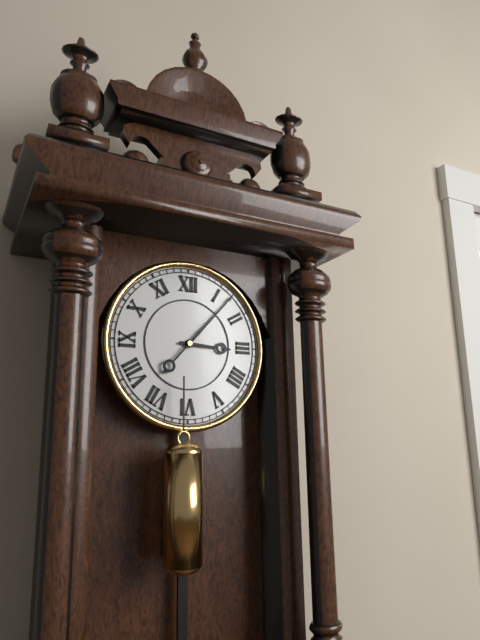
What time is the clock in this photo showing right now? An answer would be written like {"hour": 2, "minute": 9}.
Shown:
{"hour": 3, "minute": 7}
